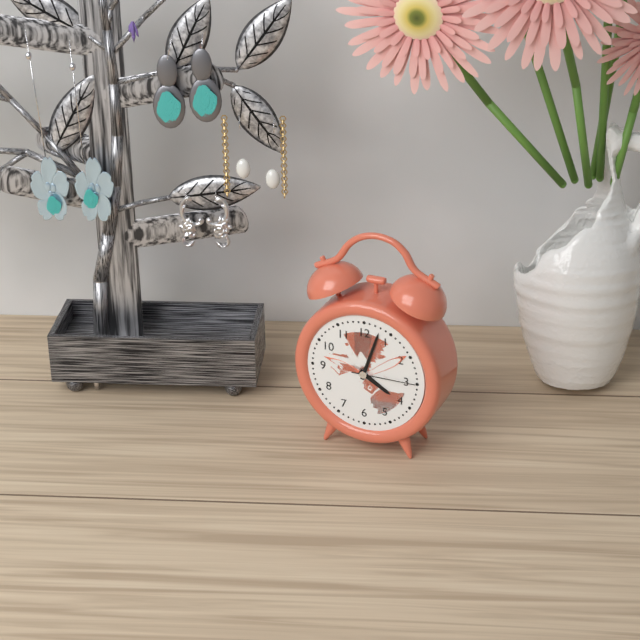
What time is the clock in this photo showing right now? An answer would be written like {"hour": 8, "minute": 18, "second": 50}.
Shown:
{"hour": 4, "minute": 3, "second": 15}
